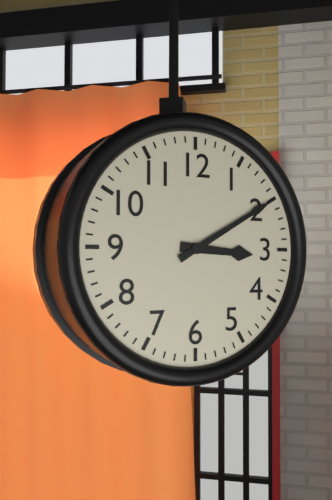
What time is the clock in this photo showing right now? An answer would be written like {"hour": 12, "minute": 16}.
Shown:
{"hour": 3, "minute": 10}
